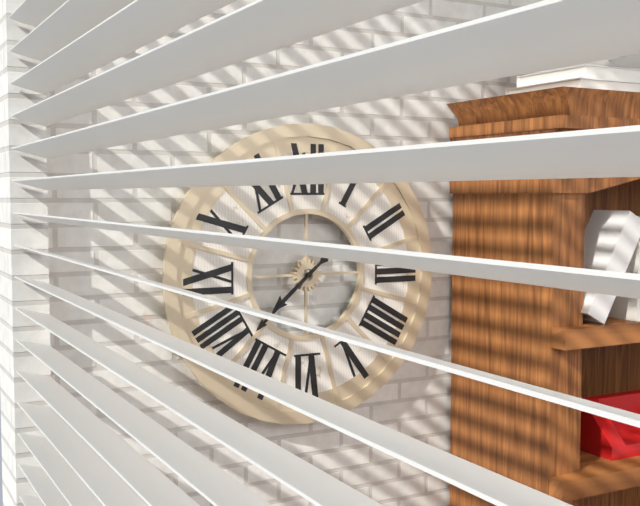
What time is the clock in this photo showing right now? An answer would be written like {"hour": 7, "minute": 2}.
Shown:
{"hour": 7, "minute": 38}
